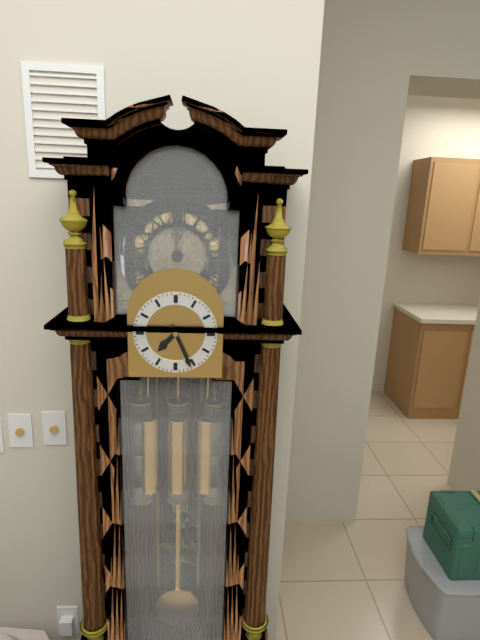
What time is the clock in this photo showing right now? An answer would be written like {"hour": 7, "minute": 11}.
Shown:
{"hour": 7, "minute": 26}
